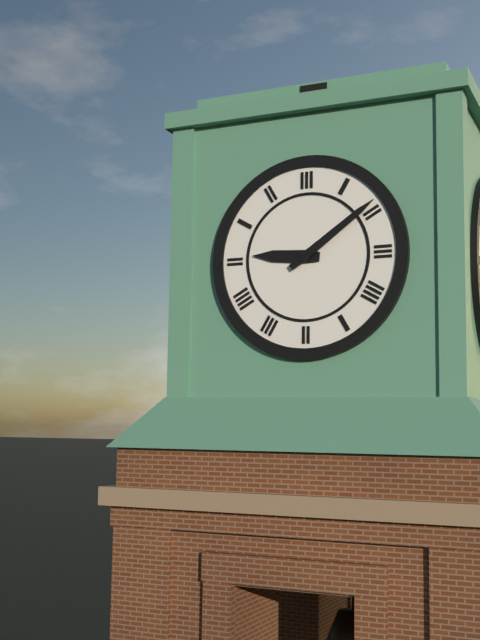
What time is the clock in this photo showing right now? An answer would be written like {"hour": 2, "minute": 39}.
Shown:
{"hour": 9, "minute": 9}
